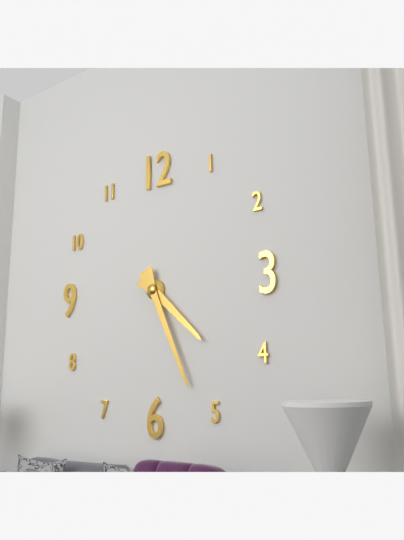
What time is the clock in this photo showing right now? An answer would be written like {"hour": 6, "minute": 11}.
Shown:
{"hour": 4, "minute": 26}
